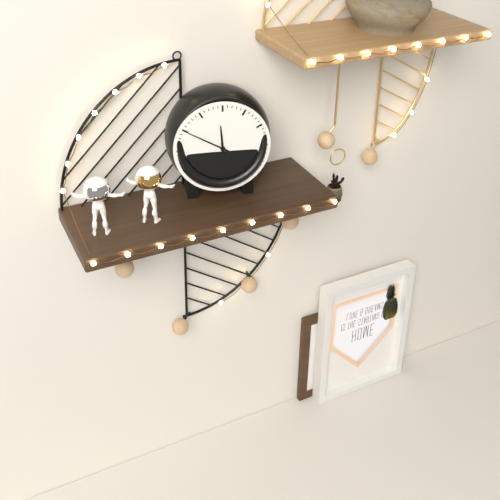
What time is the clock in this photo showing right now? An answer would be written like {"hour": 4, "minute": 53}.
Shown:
{"hour": 11, "minute": 50}
